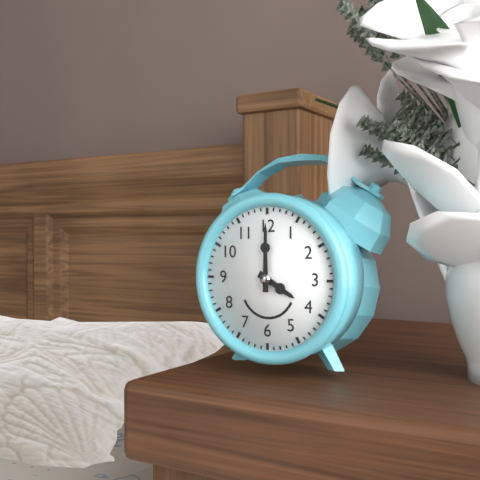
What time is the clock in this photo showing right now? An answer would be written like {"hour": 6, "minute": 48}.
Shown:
{"hour": 4, "minute": 0}
